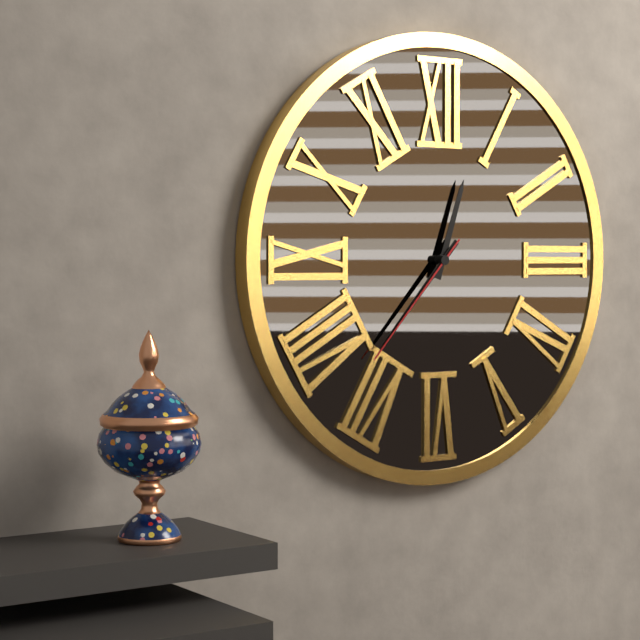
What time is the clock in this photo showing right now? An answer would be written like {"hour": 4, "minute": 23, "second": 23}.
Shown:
{"hour": 12, "minute": 37, "second": 37}
